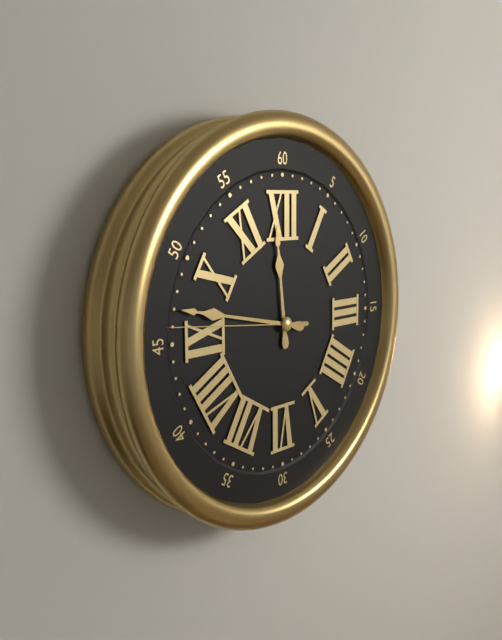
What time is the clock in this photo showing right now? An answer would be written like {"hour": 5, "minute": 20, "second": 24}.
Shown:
{"hour": 11, "minute": 47, "second": 46}
